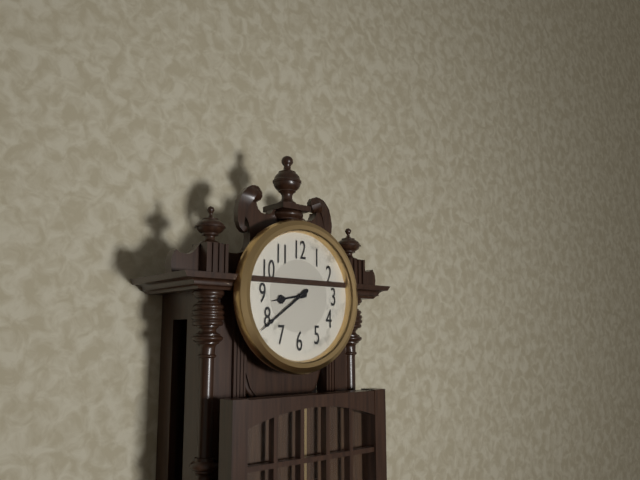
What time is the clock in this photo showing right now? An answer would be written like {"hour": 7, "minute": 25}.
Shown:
{"hour": 8, "minute": 39}
